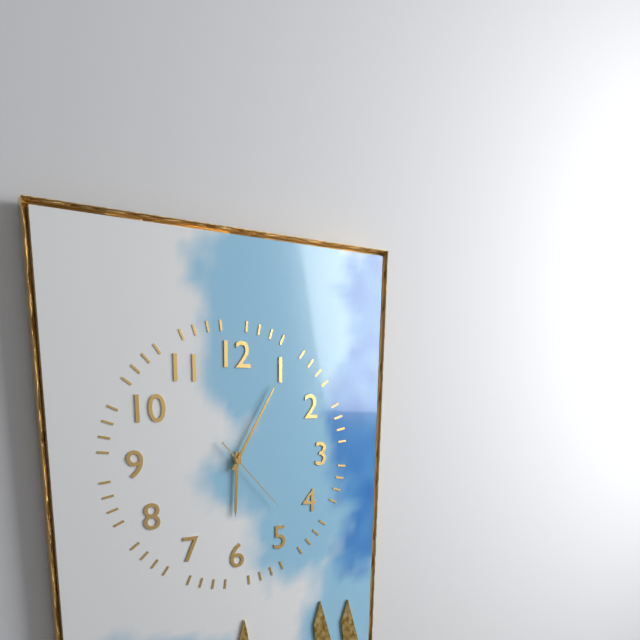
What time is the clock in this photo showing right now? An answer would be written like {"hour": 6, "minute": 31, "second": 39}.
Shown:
{"hour": 6, "minute": 5, "second": 23}
